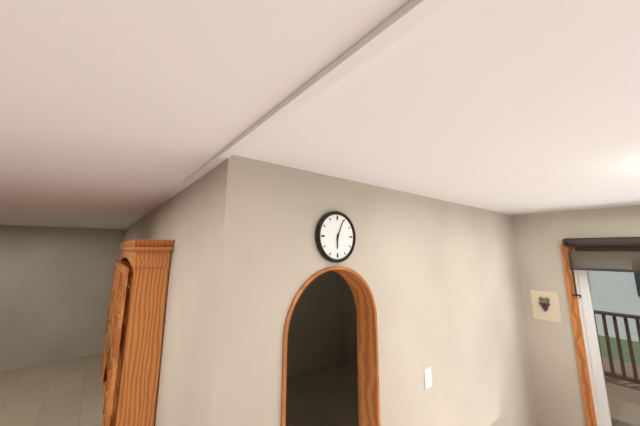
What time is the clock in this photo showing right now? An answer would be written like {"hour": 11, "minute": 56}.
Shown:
{"hour": 6, "minute": 4}
